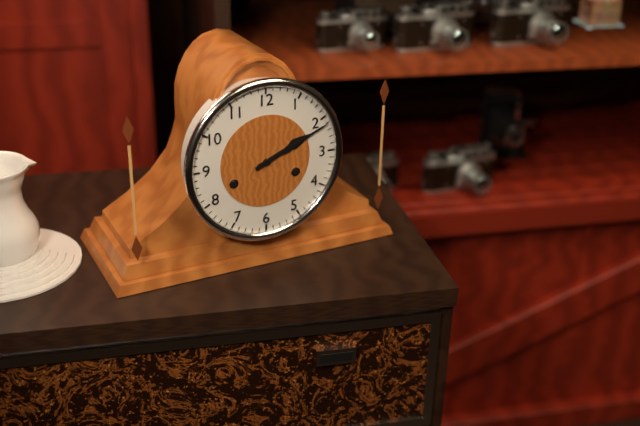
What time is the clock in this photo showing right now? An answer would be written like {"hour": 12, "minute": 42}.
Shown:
{"hour": 2, "minute": 11}
